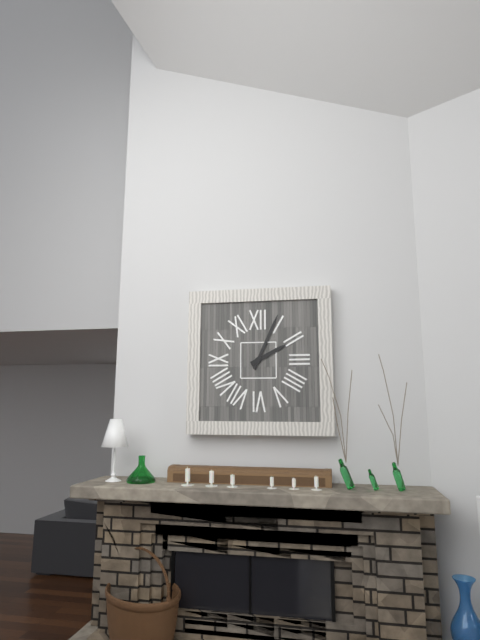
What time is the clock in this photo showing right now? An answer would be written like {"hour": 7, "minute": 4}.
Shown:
{"hour": 2, "minute": 4}
